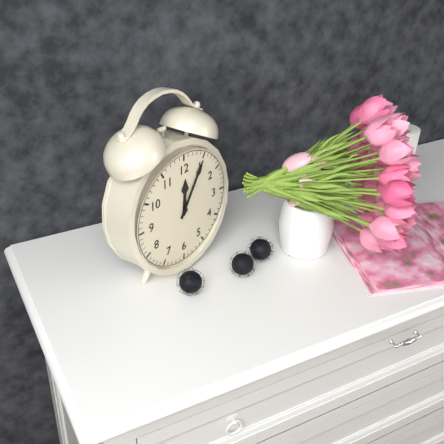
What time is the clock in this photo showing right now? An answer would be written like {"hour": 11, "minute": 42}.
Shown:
{"hour": 12, "minute": 5}
